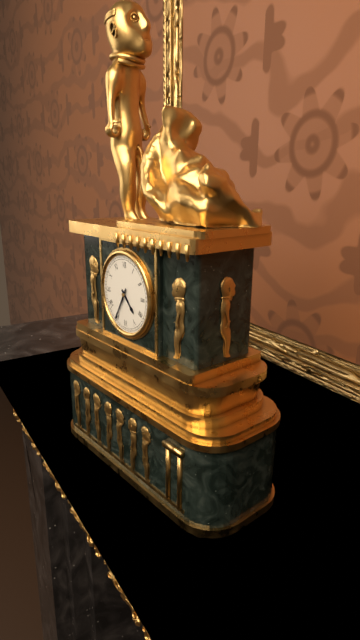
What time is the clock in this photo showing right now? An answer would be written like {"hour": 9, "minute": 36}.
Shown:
{"hour": 4, "minute": 35}
